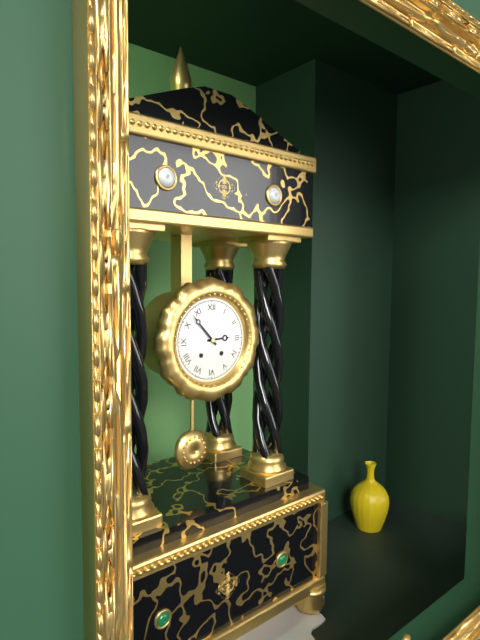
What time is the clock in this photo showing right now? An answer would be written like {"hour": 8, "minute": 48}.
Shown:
{"hour": 2, "minute": 53}
